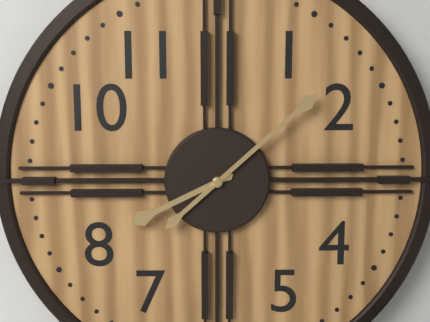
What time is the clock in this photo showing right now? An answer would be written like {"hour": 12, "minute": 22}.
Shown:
{"hour": 8, "minute": 8}
